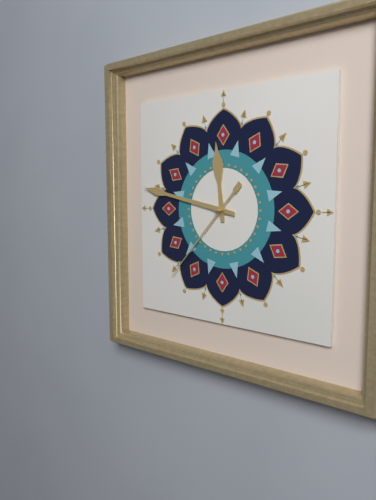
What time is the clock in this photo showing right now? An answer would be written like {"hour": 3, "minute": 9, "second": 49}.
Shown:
{"hour": 11, "minute": 47, "second": 37}
